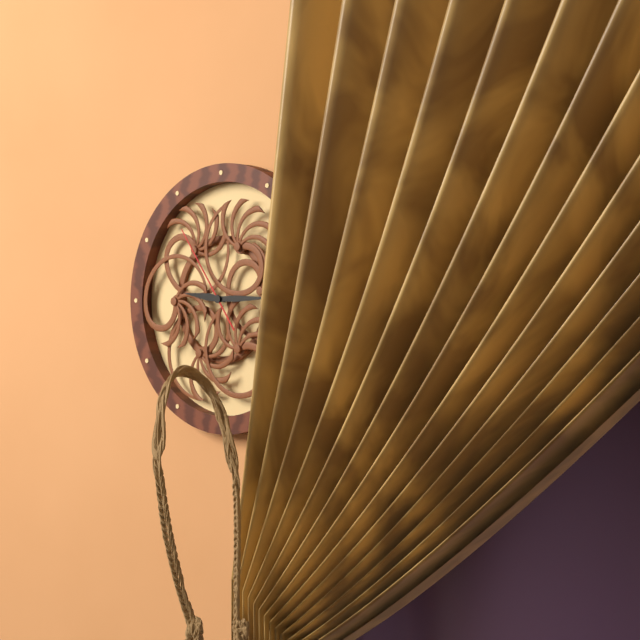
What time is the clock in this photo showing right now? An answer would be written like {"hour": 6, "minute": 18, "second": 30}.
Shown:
{"hour": 9, "minute": 15, "second": 54}
